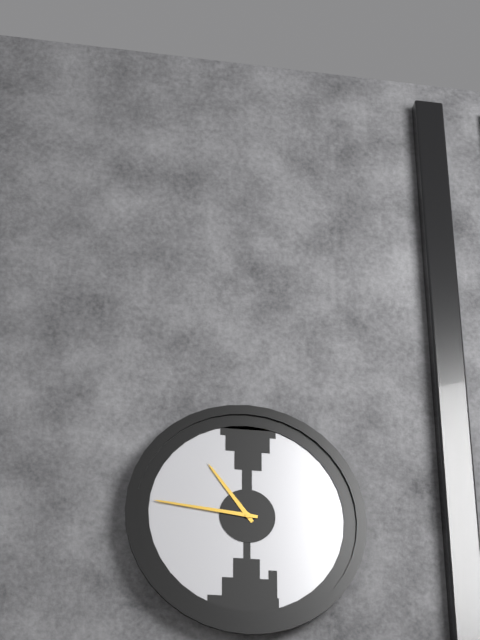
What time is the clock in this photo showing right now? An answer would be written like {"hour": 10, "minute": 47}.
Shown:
{"hour": 10, "minute": 46}
